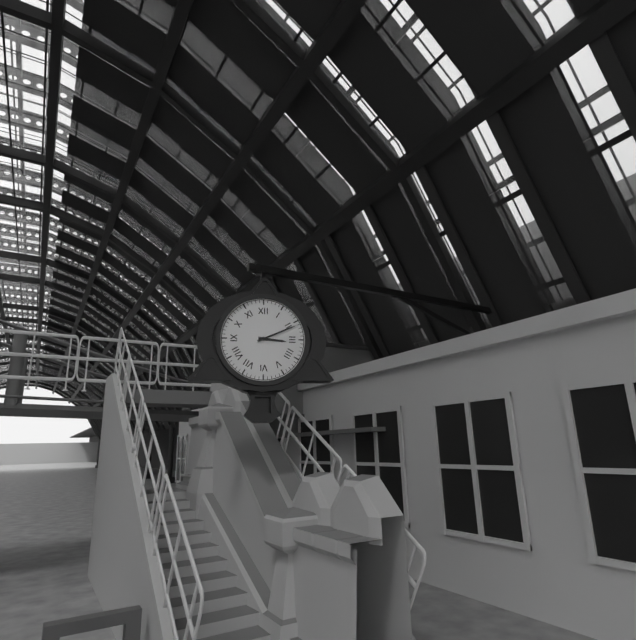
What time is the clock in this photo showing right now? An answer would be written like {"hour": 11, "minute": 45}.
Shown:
{"hour": 3, "minute": 11}
